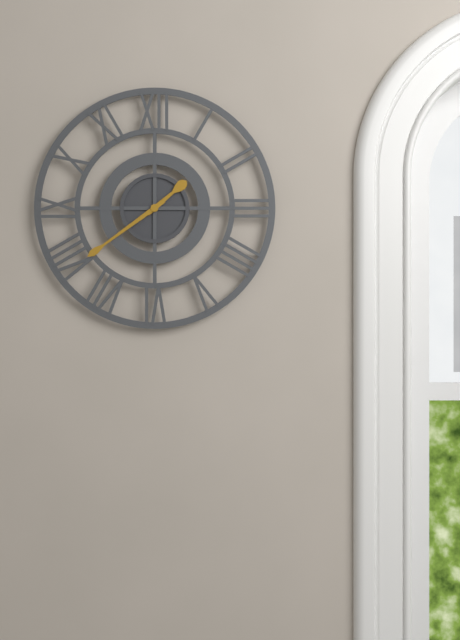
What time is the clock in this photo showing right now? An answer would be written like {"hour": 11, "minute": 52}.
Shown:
{"hour": 1, "minute": 39}
